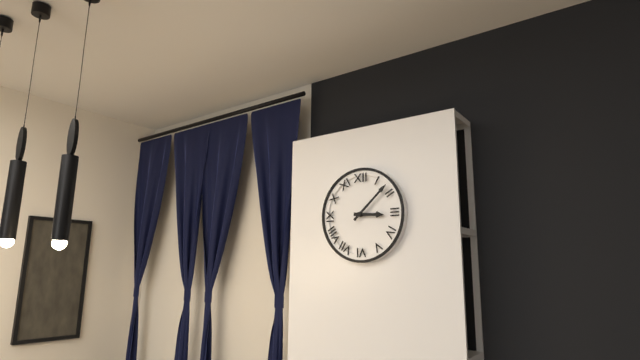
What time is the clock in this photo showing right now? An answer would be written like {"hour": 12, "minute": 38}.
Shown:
{"hour": 3, "minute": 8}
